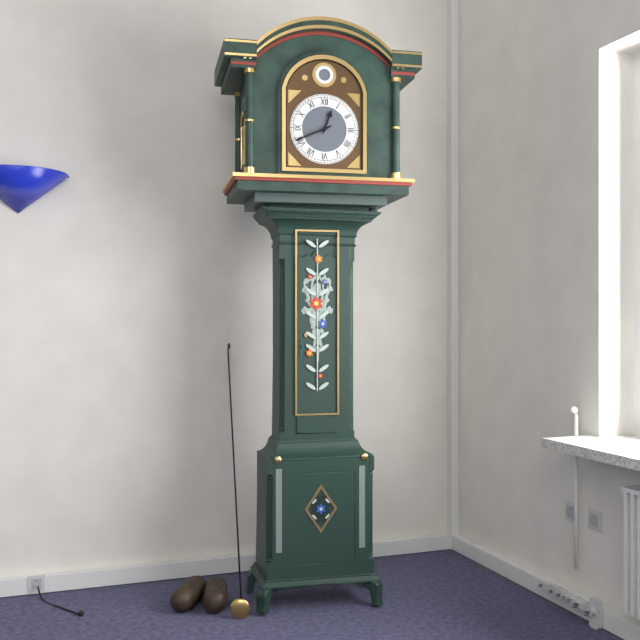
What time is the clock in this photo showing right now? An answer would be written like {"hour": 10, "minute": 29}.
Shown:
{"hour": 12, "minute": 41}
